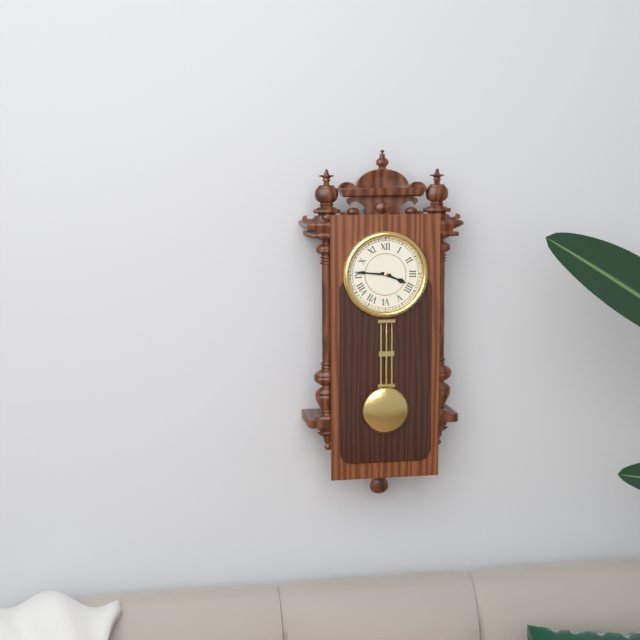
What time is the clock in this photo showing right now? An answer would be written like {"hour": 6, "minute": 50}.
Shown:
{"hour": 3, "minute": 46}
